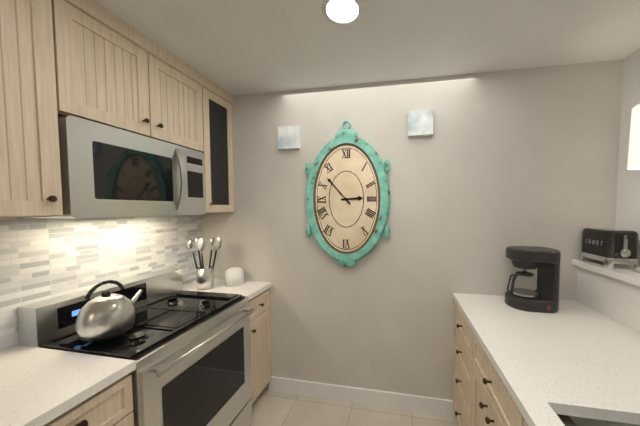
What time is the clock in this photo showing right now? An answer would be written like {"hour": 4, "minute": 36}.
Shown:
{"hour": 2, "minute": 53}
